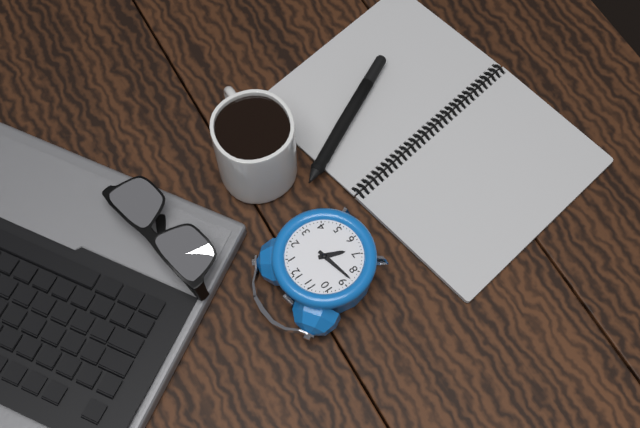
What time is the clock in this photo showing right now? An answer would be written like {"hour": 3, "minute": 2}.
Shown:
{"hour": 6, "minute": 43}
